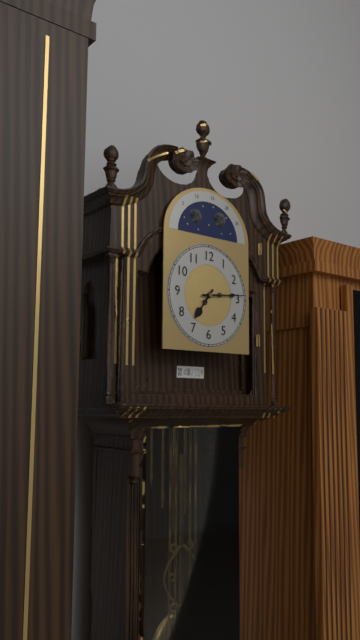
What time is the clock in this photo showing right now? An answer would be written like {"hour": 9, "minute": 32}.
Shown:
{"hour": 7, "minute": 14}
